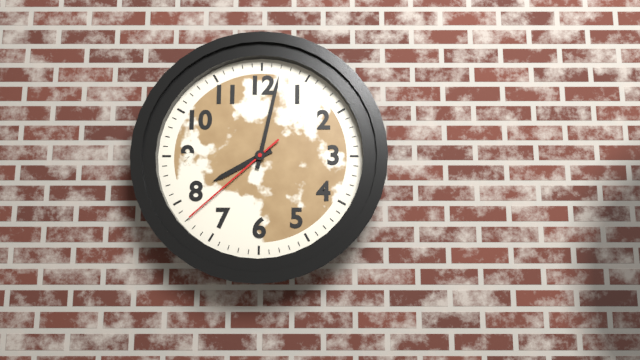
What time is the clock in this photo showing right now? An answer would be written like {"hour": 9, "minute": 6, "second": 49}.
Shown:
{"hour": 8, "minute": 2, "second": 38}
